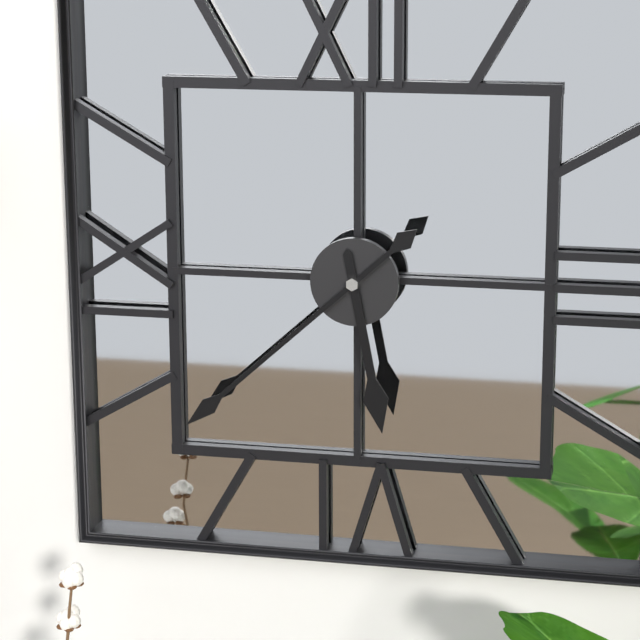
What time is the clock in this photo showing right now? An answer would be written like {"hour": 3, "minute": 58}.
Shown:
{"hour": 5, "minute": 38}
